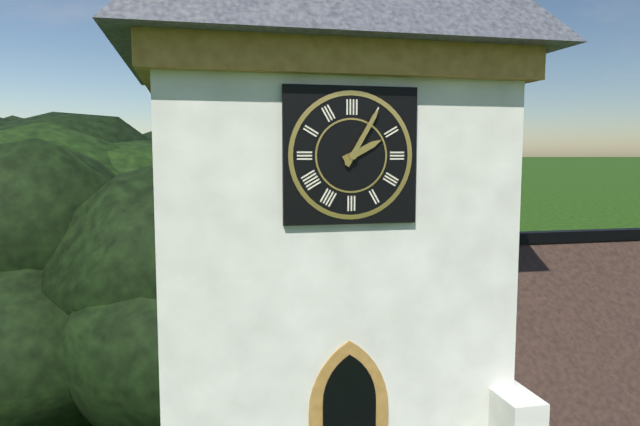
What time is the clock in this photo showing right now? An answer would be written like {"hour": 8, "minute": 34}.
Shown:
{"hour": 2, "minute": 5}
